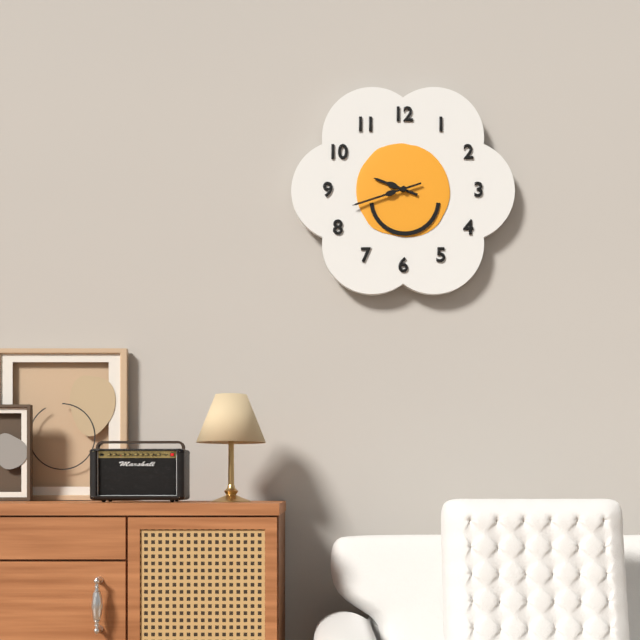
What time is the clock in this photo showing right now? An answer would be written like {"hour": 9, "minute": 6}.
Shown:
{"hour": 9, "minute": 42}
